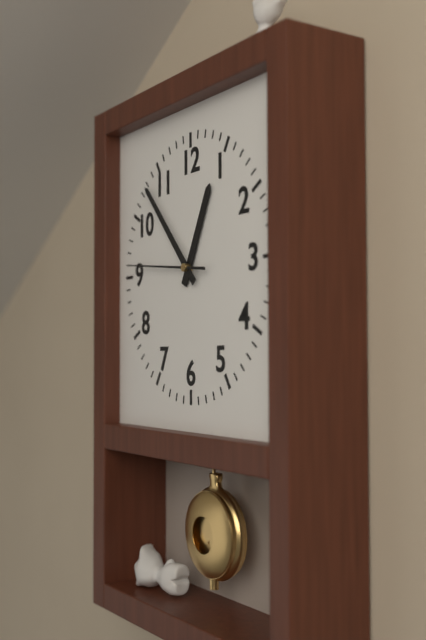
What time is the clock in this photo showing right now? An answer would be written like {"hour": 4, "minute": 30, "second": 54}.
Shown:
{"hour": 12, "minute": 53, "second": 46}
